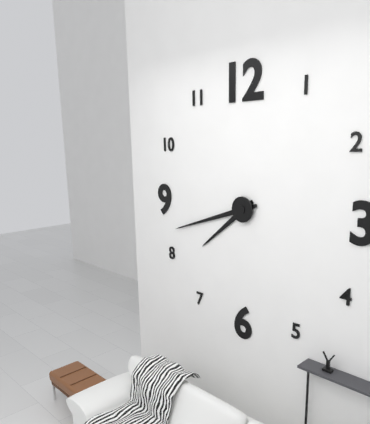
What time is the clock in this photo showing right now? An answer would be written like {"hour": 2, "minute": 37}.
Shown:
{"hour": 7, "minute": 42}
